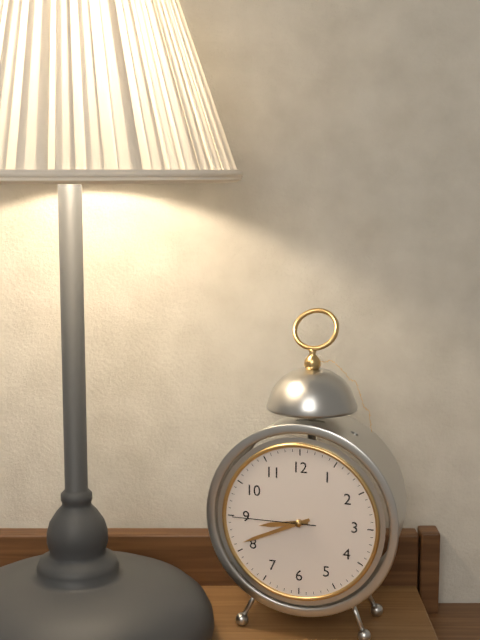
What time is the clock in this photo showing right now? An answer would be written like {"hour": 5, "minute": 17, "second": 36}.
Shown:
{"hour": 8, "minute": 41, "second": 45}
